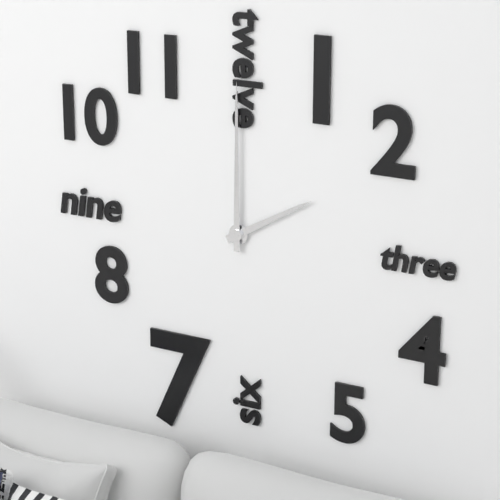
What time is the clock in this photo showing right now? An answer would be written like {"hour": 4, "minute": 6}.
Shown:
{"hour": 2, "minute": 0}
